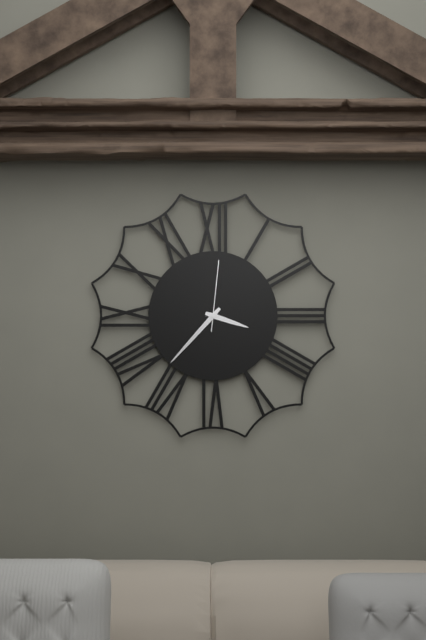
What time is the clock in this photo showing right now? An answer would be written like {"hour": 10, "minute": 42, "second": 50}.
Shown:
{"hour": 3, "minute": 37, "second": 1}
